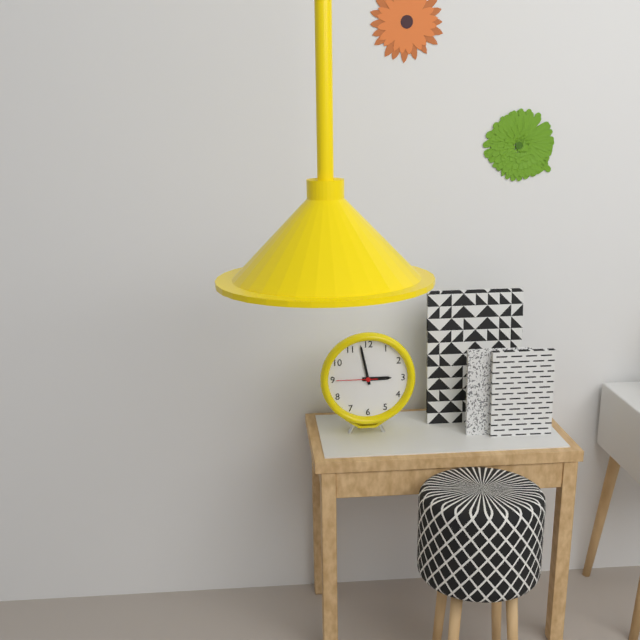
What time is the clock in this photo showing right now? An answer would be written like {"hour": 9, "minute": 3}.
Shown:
{"hour": 2, "minute": 58}
